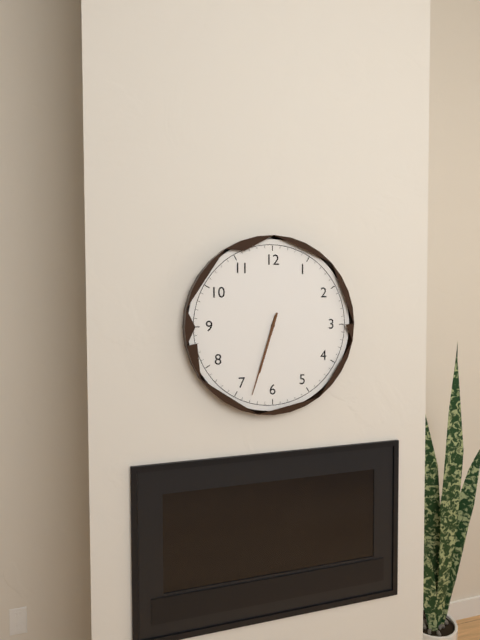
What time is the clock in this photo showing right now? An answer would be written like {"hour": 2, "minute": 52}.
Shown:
{"hour": 6, "minute": 33}
